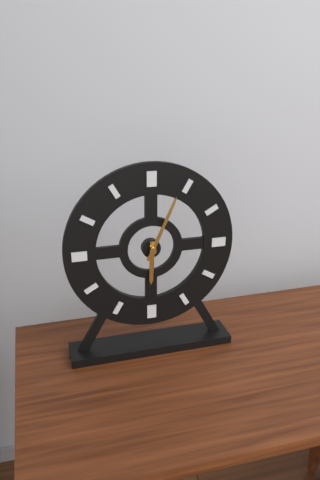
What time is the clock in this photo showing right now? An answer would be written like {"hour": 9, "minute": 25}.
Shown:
{"hour": 6, "minute": 4}
